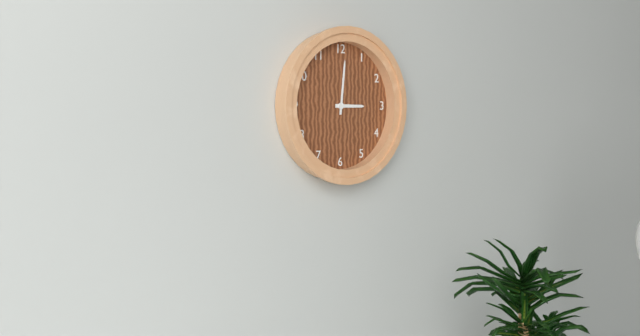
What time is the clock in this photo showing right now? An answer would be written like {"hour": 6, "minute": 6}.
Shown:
{"hour": 3, "minute": 1}
